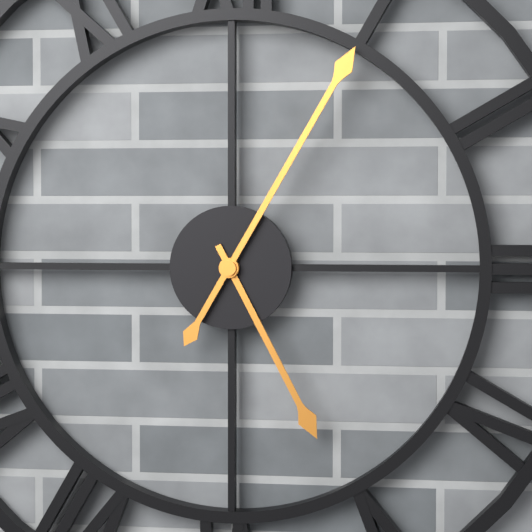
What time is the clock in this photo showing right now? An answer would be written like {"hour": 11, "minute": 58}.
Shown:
{"hour": 5, "minute": 5}
